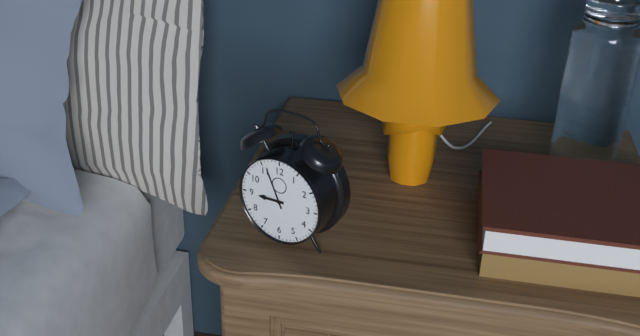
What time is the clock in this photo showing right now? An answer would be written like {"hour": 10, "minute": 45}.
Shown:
{"hour": 8, "minute": 56}
